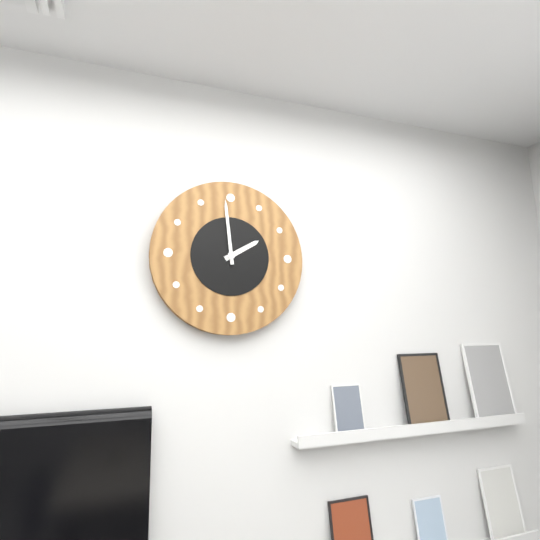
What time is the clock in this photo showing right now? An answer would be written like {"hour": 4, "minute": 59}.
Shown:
{"hour": 1, "minute": 59}
